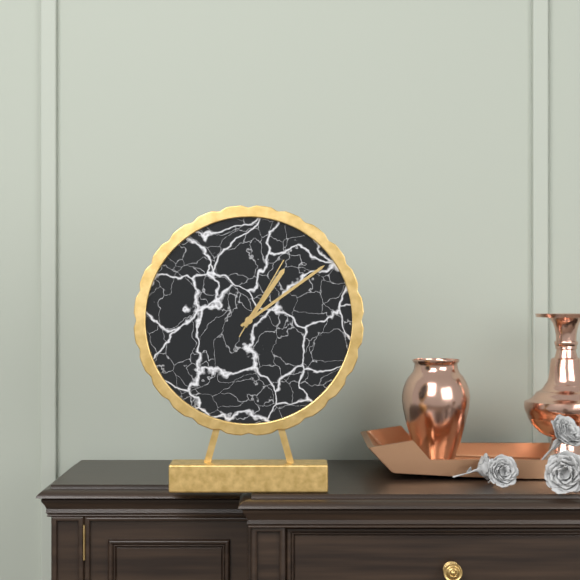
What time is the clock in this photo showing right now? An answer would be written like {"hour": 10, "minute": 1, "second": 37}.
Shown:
{"hour": 1, "minute": 9, "second": 5}
